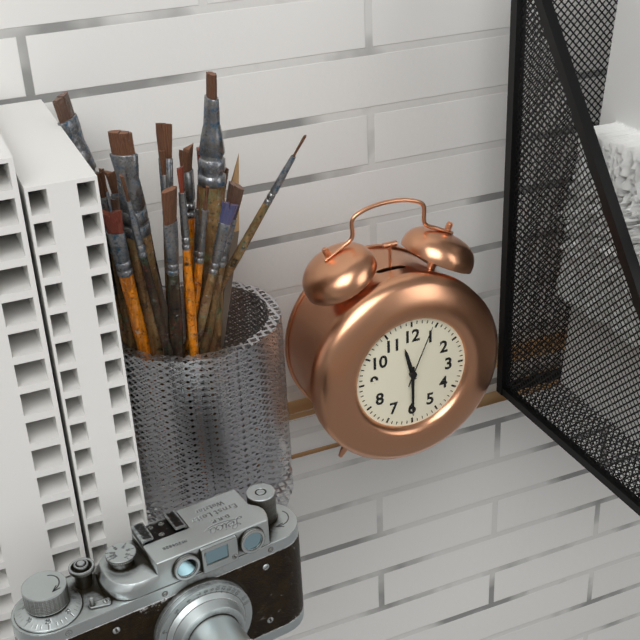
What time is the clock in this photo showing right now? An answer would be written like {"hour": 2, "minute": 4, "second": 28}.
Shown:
{"hour": 11, "minute": 30, "second": 4}
